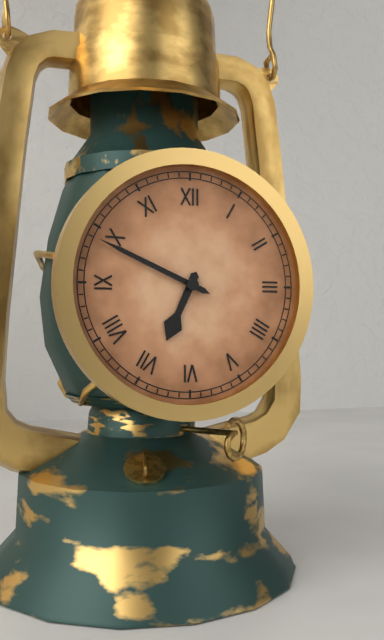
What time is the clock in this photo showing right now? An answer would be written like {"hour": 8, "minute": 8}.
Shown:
{"hour": 6, "minute": 49}
